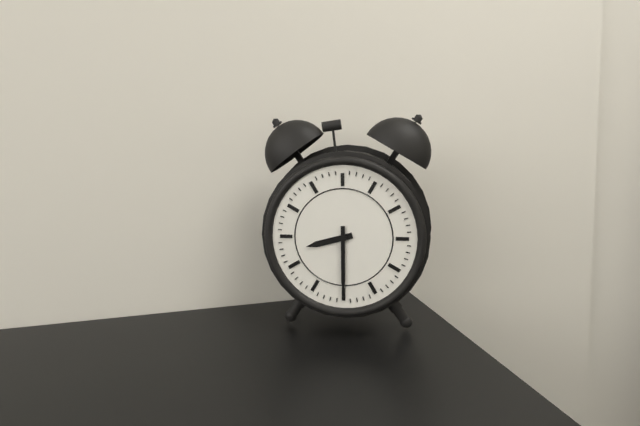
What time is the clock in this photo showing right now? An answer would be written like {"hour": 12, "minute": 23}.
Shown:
{"hour": 8, "minute": 30}
